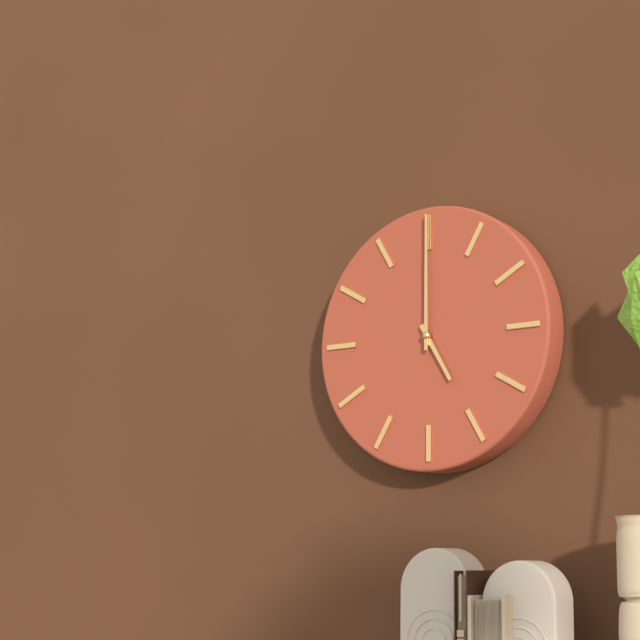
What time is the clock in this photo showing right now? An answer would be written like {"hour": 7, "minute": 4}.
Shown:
{"hour": 5, "minute": 0}
